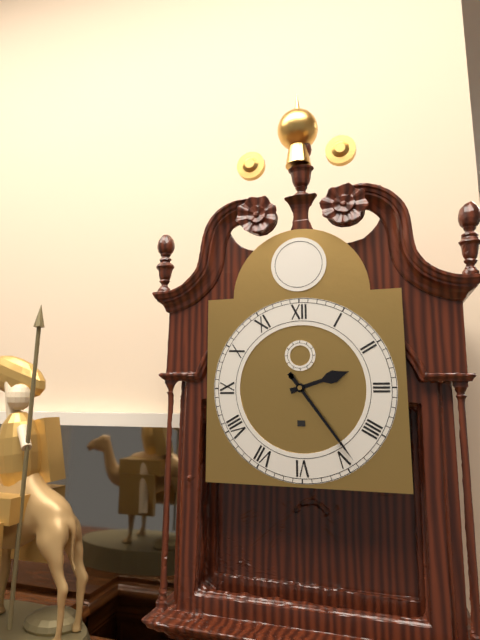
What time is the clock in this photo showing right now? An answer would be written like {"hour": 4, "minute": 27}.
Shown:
{"hour": 2, "minute": 24}
